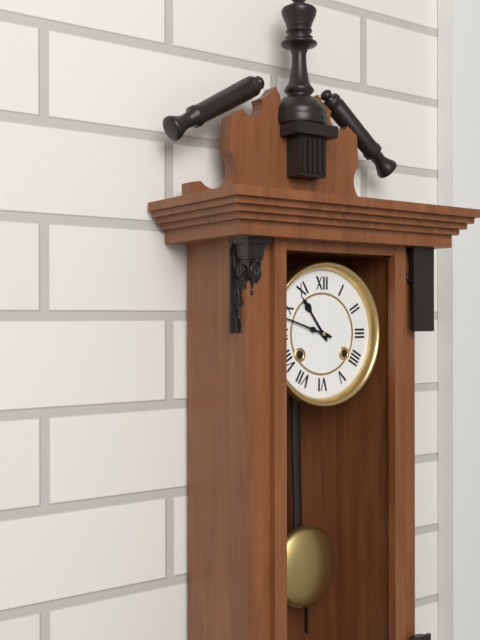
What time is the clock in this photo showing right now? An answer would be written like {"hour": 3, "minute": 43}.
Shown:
{"hour": 10, "minute": 48}
